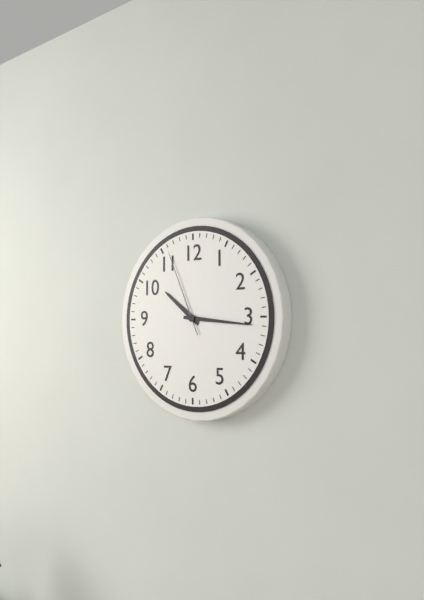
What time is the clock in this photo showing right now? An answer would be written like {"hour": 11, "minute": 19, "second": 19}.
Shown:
{"hour": 10, "minute": 16, "second": 56}
